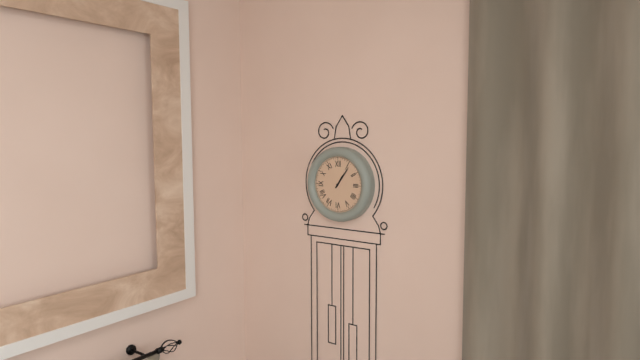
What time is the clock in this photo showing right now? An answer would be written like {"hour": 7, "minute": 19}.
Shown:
{"hour": 1, "minute": 6}
